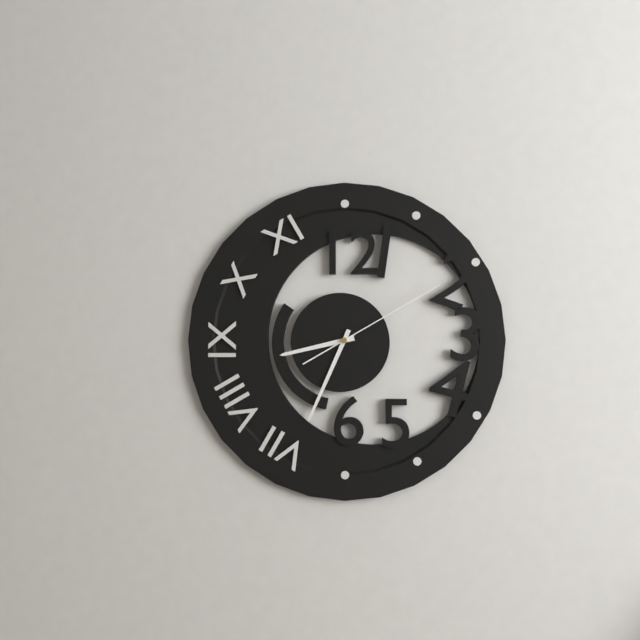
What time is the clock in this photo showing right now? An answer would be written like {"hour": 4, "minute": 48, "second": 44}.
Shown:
{"hour": 8, "minute": 34, "second": 10}
